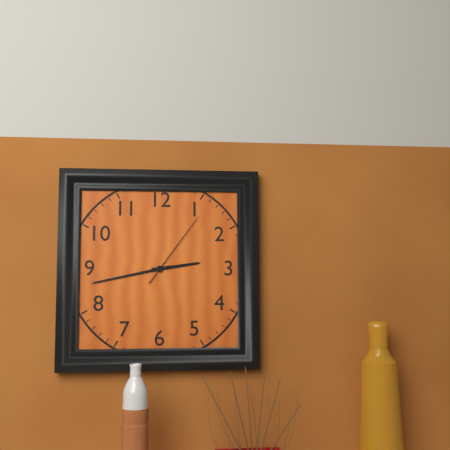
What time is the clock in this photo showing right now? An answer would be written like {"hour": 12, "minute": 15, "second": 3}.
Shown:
{"hour": 2, "minute": 43, "second": 6}
